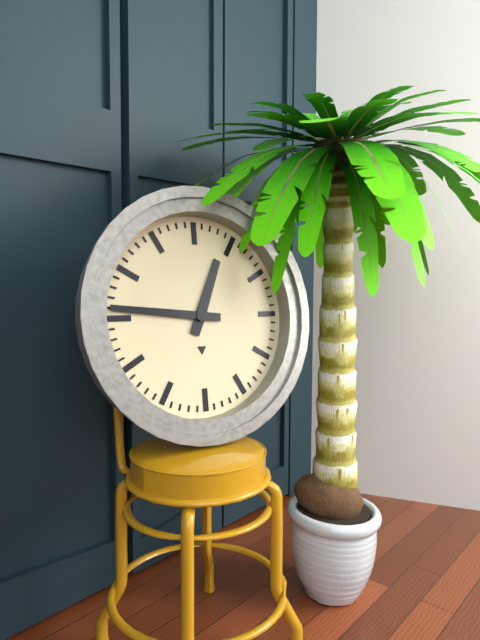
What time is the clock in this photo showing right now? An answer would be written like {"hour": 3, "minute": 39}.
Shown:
{"hour": 12, "minute": 46}
